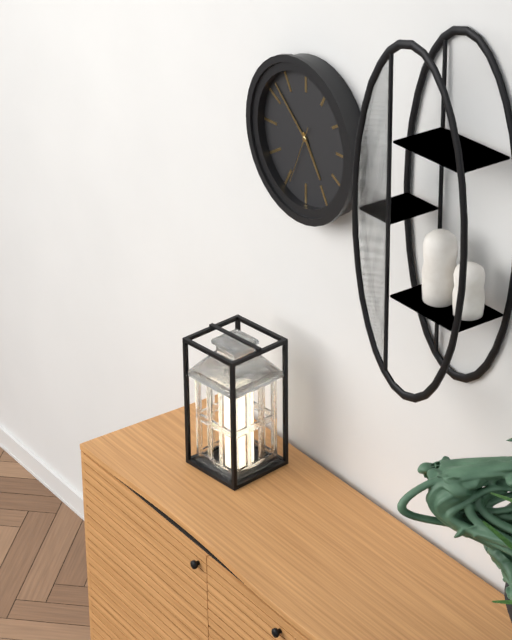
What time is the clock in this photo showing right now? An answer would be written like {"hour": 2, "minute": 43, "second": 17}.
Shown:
{"hour": 4, "minute": 52, "second": 34}
